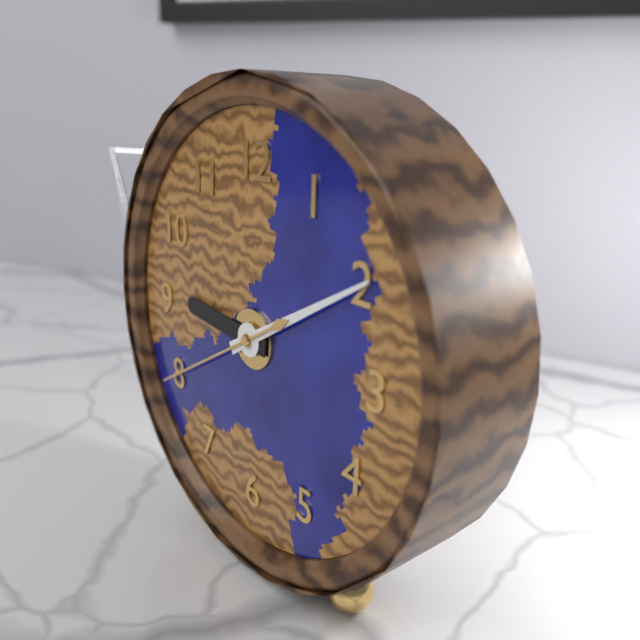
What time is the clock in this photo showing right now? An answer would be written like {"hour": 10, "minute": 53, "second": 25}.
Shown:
{"hour": 9, "minute": 10, "second": 40}
